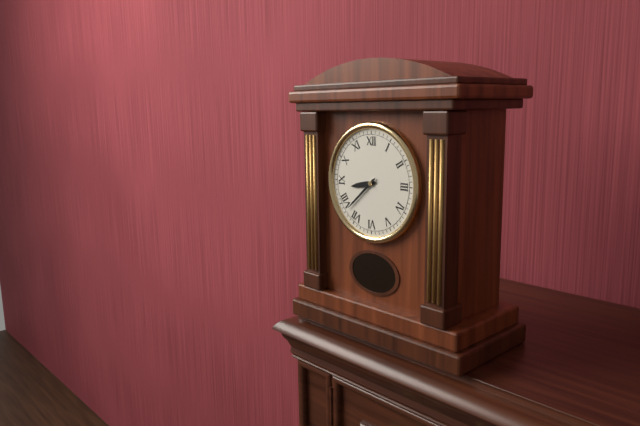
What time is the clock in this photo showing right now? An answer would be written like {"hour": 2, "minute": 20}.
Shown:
{"hour": 8, "minute": 38}
